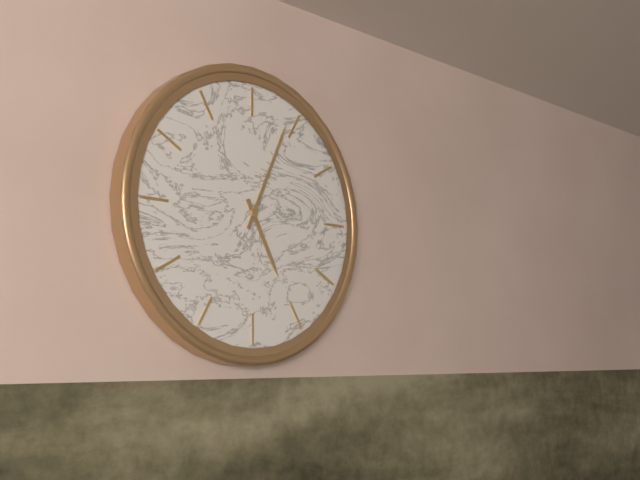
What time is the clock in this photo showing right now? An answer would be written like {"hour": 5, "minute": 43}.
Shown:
{"hour": 5, "minute": 4}
